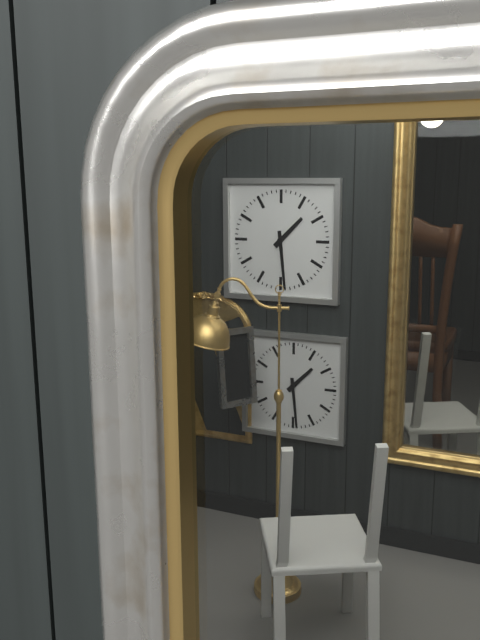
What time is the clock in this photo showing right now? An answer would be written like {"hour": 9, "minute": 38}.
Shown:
{"hour": 1, "minute": 29}
